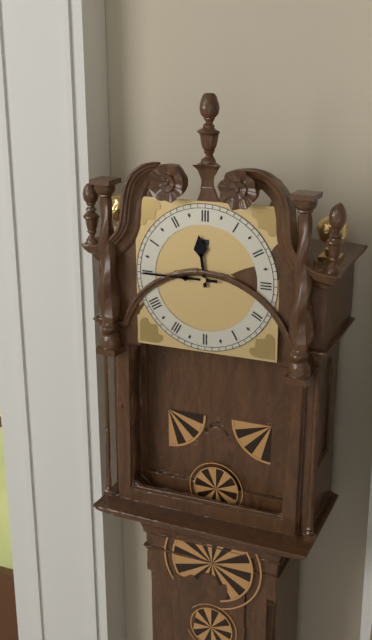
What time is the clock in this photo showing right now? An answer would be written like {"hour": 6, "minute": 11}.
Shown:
{"hour": 11, "minute": 45}
